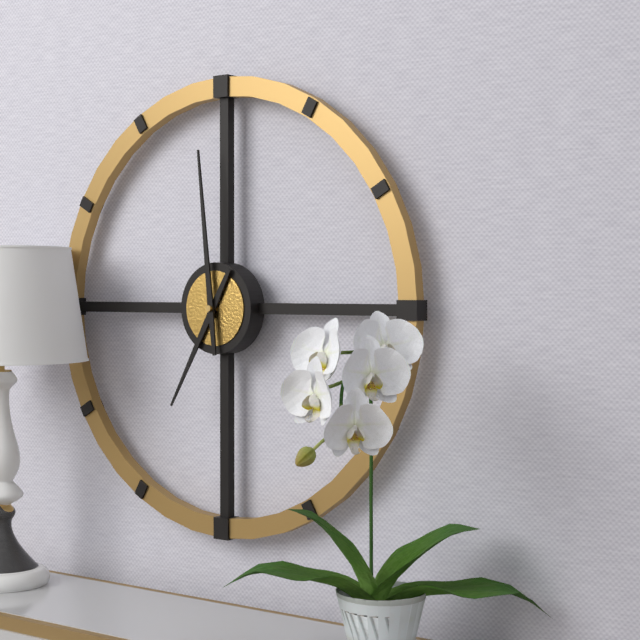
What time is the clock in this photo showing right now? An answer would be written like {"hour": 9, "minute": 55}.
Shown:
{"hour": 6, "minute": 59}
